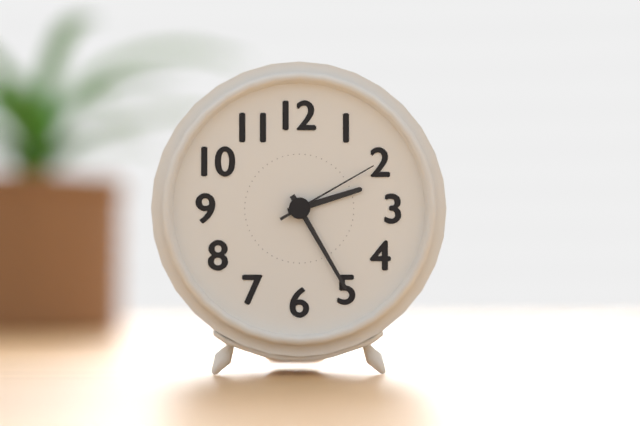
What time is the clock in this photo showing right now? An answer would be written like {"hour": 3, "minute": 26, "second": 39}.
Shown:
{"hour": 2, "minute": 25, "second": 10}
